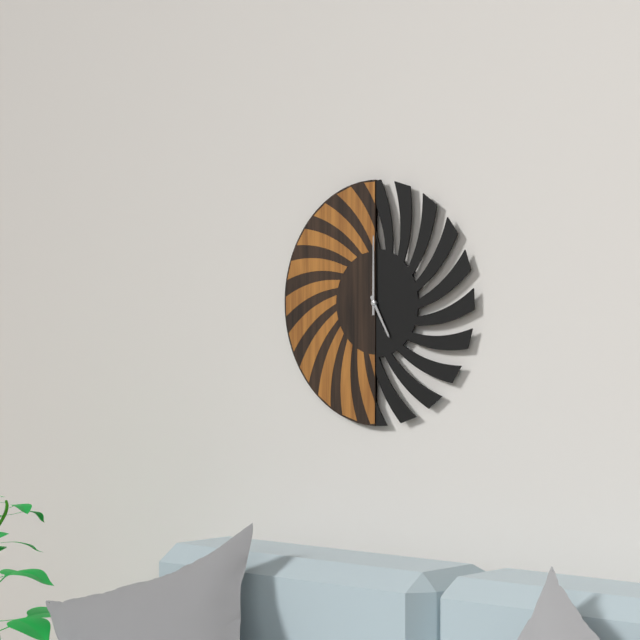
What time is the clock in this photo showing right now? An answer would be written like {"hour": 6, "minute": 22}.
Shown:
{"hour": 5, "minute": 0}
